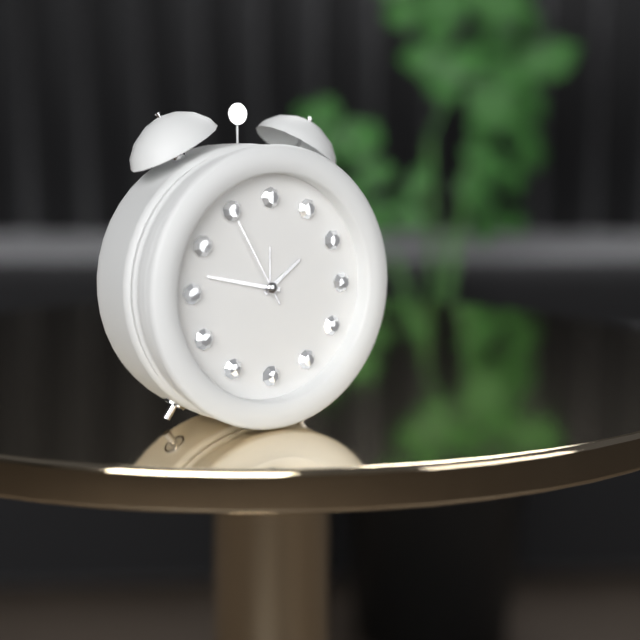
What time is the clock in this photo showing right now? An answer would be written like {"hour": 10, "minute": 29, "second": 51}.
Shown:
{"hour": 1, "minute": 47, "second": 55}
